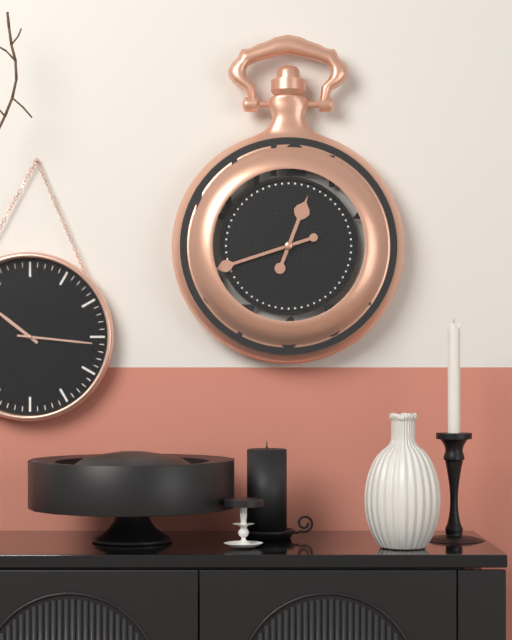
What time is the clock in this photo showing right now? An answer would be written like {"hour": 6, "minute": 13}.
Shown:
{"hour": 12, "minute": 42}
